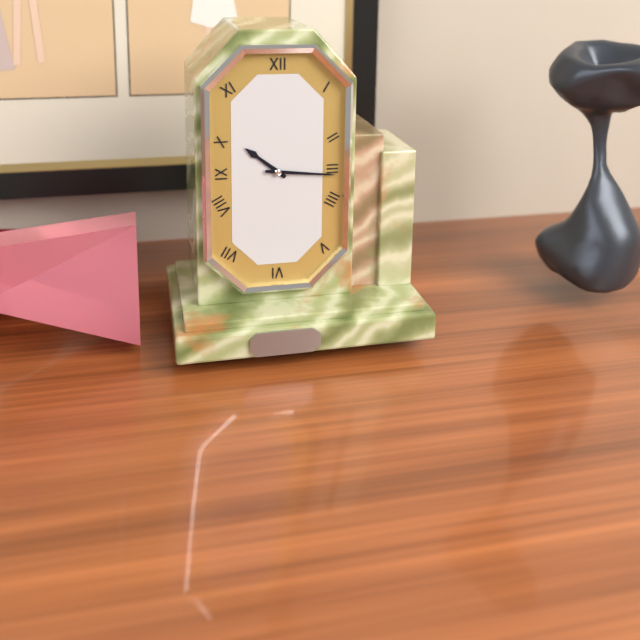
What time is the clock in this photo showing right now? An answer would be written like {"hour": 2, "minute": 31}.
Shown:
{"hour": 10, "minute": 16}
